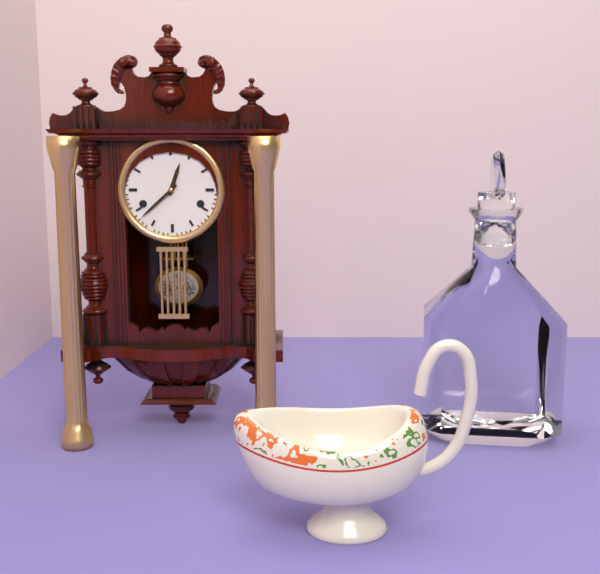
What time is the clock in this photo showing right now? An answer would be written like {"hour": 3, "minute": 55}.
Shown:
{"hour": 12, "minute": 38}
